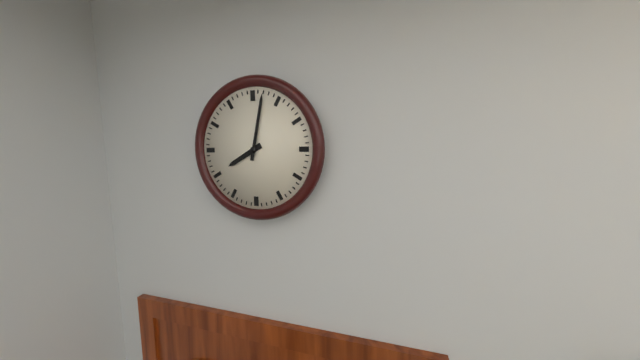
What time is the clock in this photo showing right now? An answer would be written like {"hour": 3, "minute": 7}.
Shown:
{"hour": 8, "minute": 2}
